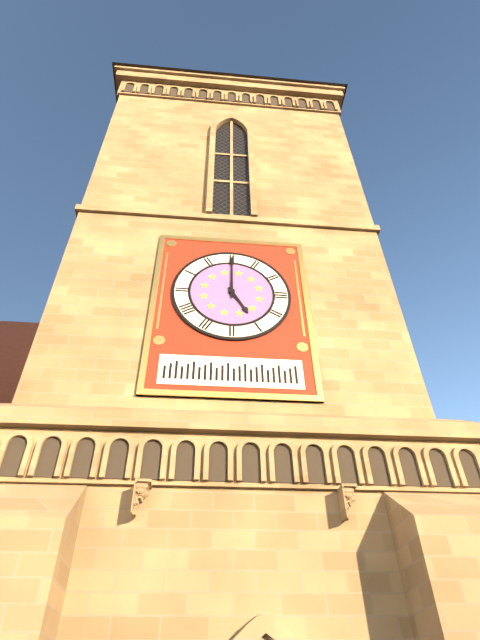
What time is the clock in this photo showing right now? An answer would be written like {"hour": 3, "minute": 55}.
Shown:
{"hour": 5, "minute": 0}
